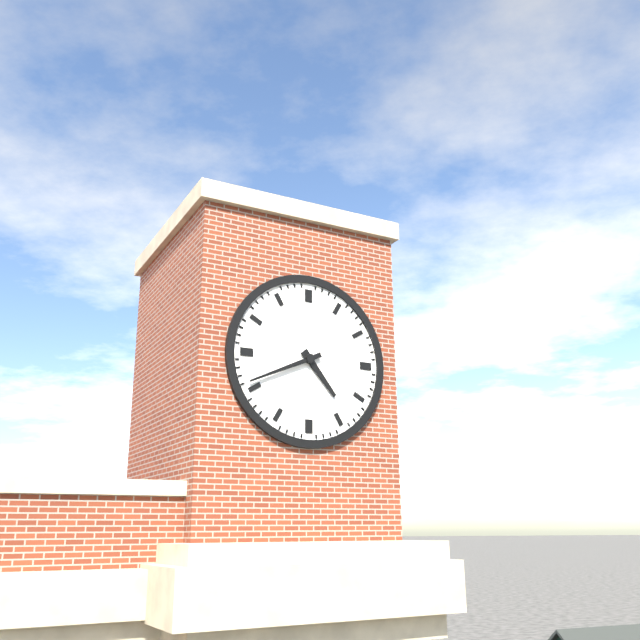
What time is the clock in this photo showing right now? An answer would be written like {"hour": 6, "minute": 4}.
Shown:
{"hour": 4, "minute": 41}
